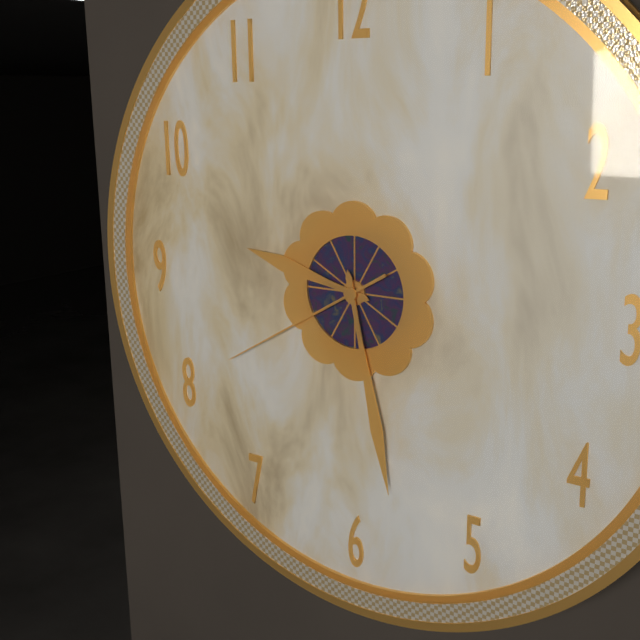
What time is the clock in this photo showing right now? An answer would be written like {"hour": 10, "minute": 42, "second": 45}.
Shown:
{"hour": 9, "minute": 28, "second": 40}
